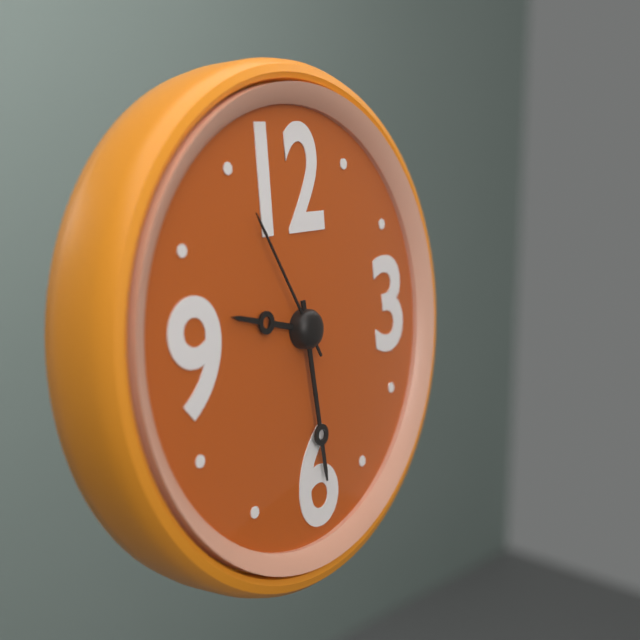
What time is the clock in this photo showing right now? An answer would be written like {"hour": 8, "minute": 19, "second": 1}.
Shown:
{"hour": 9, "minute": 29, "second": 55}
